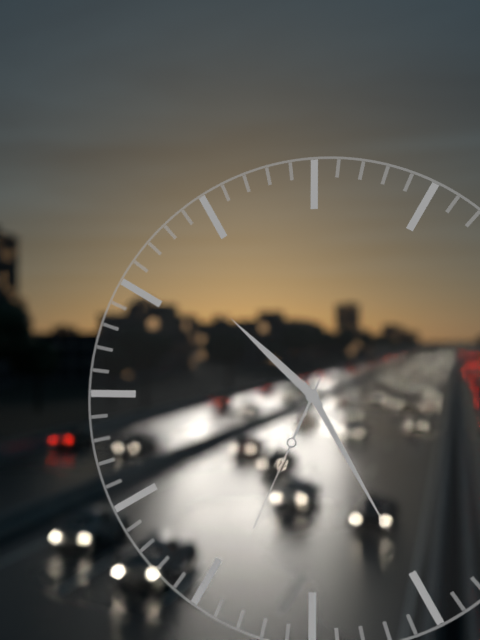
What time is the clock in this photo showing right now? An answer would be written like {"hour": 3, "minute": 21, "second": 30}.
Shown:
{"hour": 10, "minute": 25, "second": 34}
